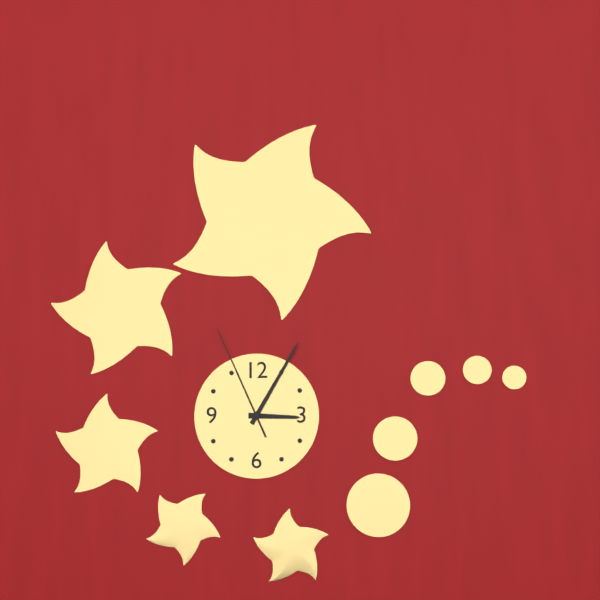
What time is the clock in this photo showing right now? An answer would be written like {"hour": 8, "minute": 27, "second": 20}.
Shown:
{"hour": 3, "minute": 5, "second": 56}
